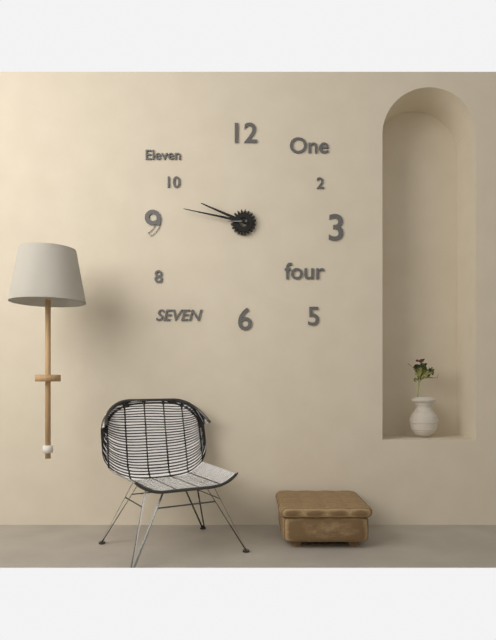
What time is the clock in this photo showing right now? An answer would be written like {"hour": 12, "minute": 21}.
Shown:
{"hour": 9, "minute": 47}
